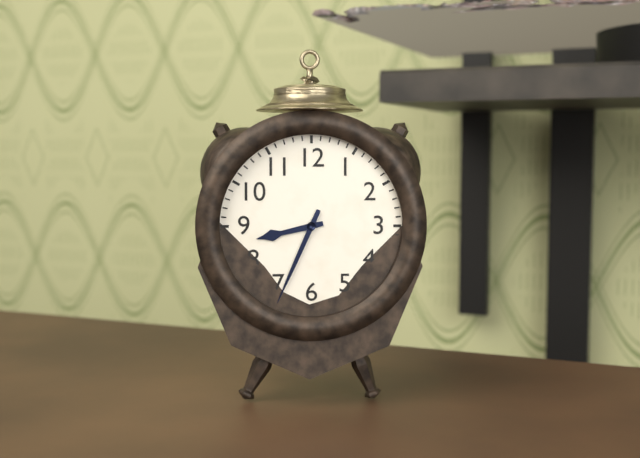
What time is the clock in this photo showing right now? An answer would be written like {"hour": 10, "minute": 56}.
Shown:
{"hour": 8, "minute": 34}
